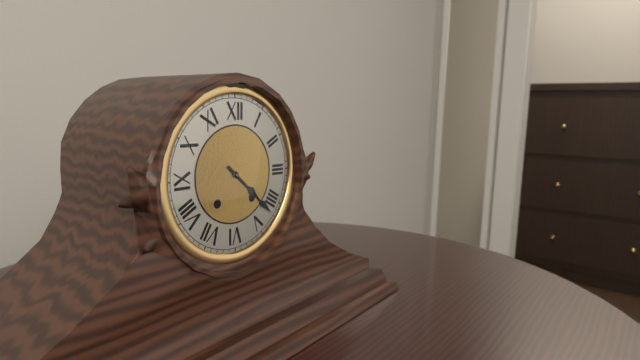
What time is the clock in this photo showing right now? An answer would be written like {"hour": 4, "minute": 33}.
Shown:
{"hour": 4, "minute": 22}
